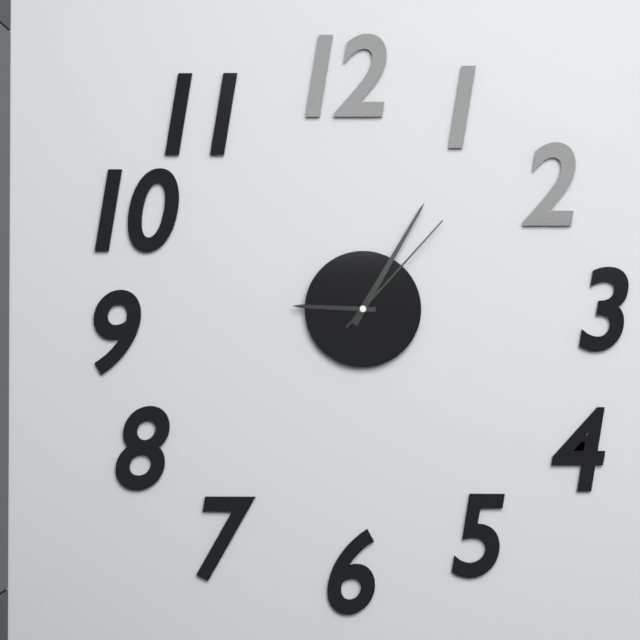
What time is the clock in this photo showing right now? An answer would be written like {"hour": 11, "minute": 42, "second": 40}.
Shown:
{"hour": 9, "minute": 5, "second": 7}
